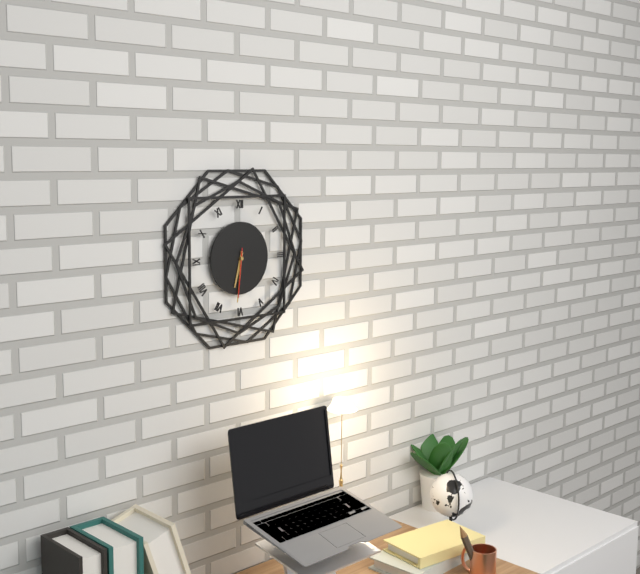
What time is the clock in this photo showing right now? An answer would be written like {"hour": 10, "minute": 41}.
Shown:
{"hour": 6, "minute": 31}
